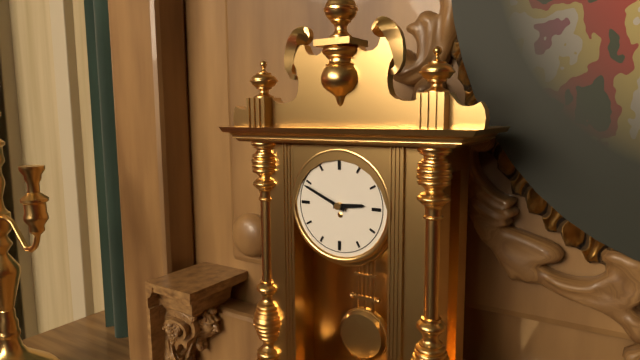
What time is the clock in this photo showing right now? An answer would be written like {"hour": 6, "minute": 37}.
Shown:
{"hour": 2, "minute": 49}
